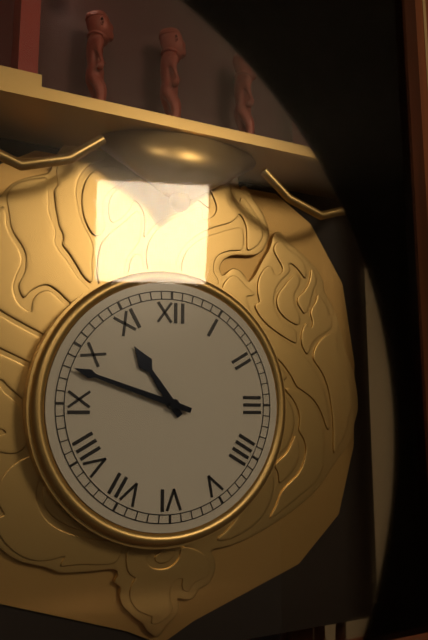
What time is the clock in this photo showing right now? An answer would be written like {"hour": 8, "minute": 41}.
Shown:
{"hour": 10, "minute": 48}
